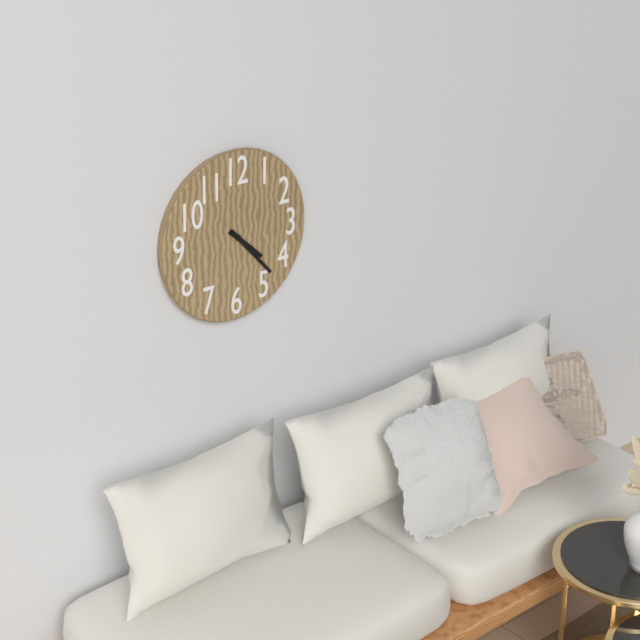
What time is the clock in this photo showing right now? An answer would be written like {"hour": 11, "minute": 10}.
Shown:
{"hour": 4, "minute": 23}
